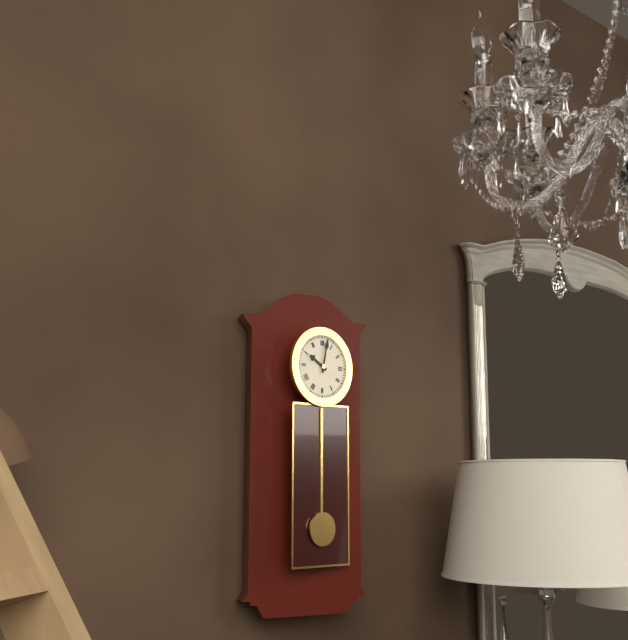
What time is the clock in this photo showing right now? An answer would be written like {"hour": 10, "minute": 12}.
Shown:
{"hour": 10, "minute": 2}
